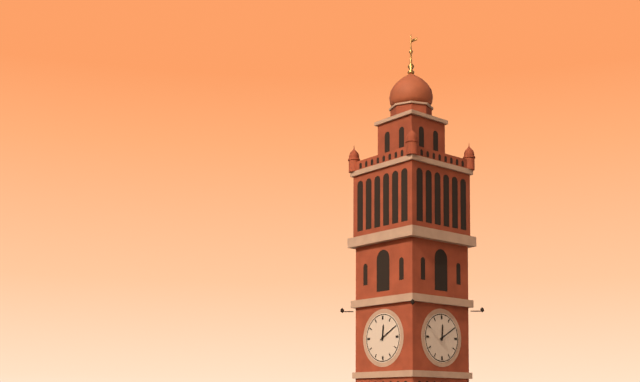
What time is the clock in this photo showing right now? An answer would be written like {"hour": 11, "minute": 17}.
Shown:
{"hour": 12, "minute": 10}
